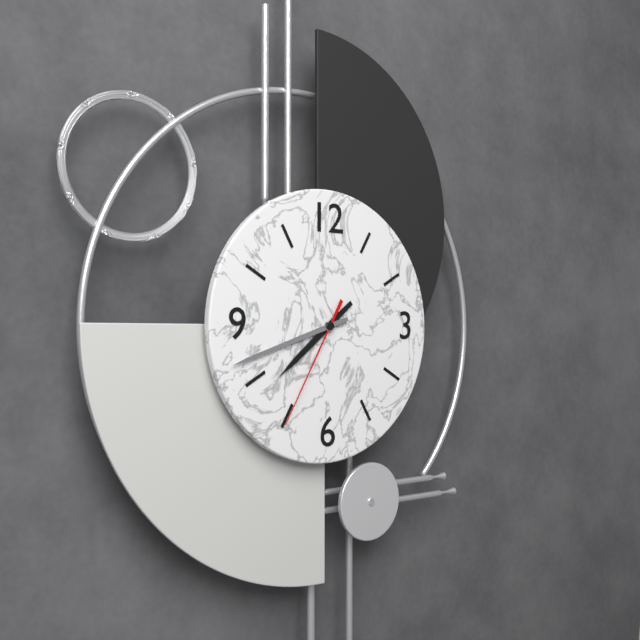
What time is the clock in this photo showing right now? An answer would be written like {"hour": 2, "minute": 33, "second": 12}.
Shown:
{"hour": 7, "minute": 42, "second": 35}
